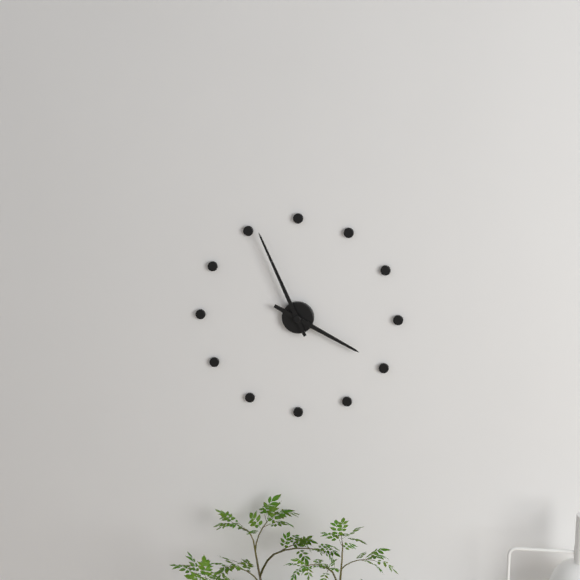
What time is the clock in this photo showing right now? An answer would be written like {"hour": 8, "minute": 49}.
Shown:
{"hour": 3, "minute": 56}
